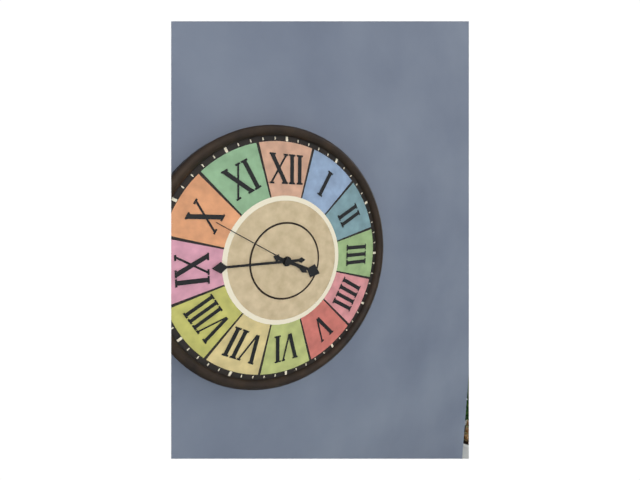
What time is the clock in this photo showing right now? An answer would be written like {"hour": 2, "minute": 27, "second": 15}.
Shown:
{"hour": 3, "minute": 45, "second": 50}
